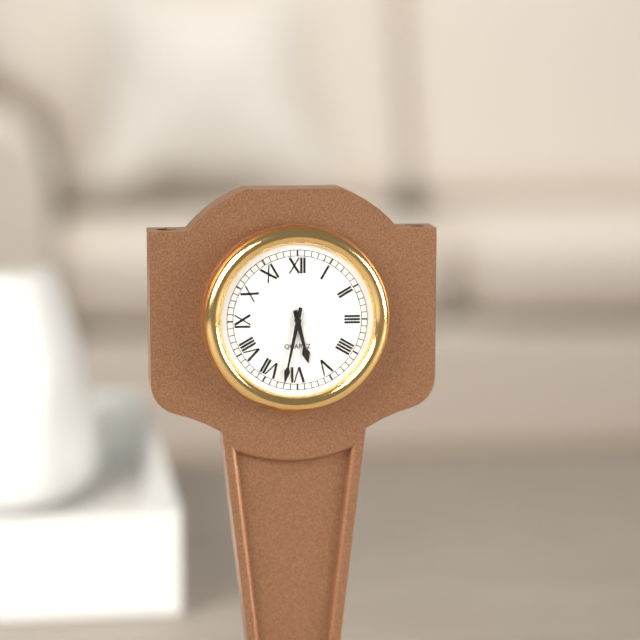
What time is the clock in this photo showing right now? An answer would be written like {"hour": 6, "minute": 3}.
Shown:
{"hour": 5, "minute": 32}
